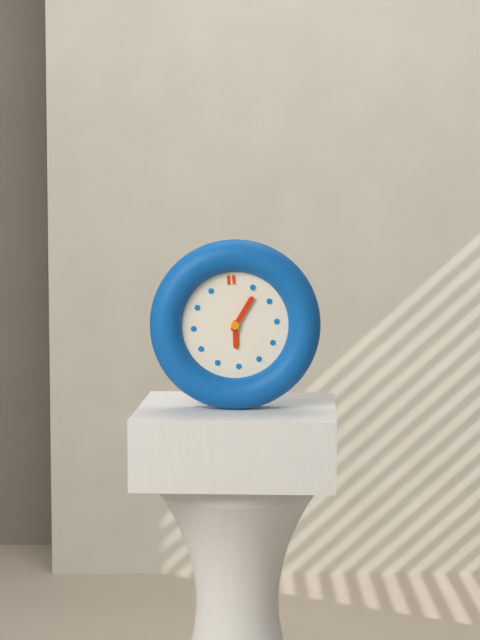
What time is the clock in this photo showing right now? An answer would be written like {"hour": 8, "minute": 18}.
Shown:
{"hour": 6, "minute": 6}
